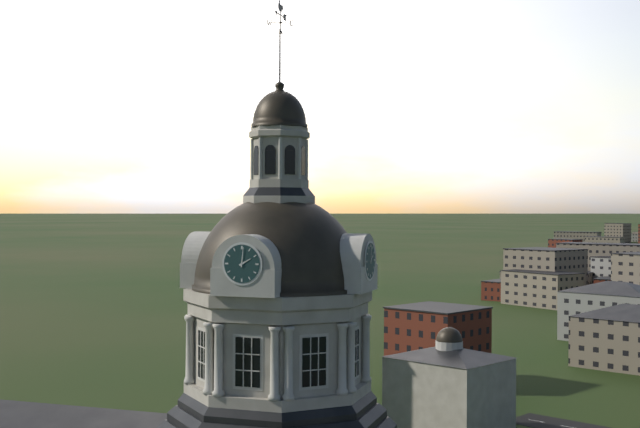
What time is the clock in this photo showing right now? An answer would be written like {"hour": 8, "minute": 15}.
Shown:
{"hour": 2, "minute": 1}
